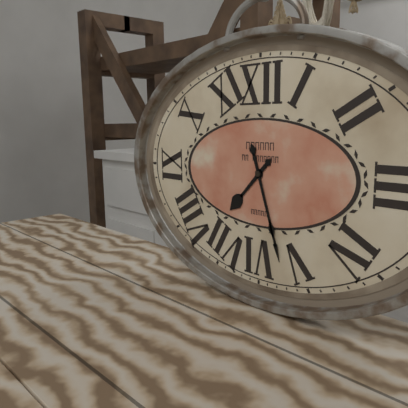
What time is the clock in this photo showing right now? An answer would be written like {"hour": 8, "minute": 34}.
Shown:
{"hour": 7, "minute": 27}
